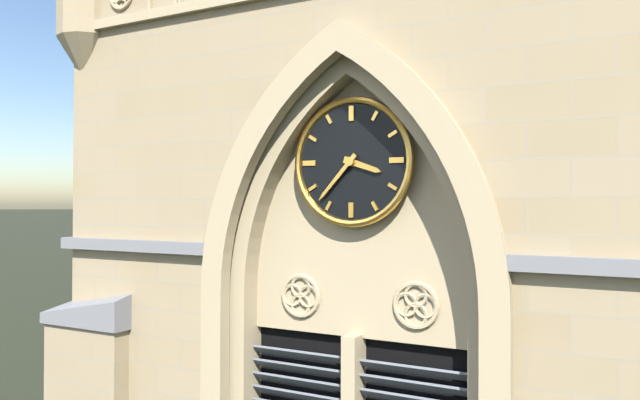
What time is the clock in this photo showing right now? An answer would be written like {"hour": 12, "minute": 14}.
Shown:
{"hour": 3, "minute": 37}
